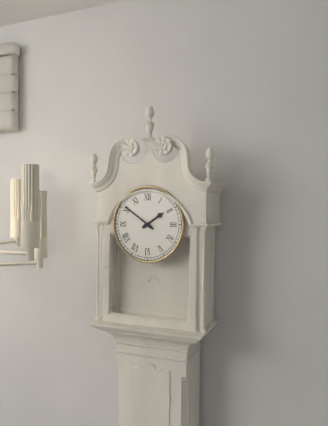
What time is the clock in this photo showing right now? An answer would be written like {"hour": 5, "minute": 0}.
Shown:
{"hour": 1, "minute": 51}
